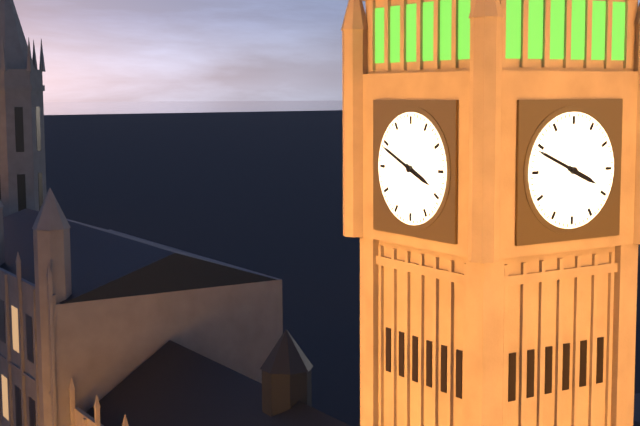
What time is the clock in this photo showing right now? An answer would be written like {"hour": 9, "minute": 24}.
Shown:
{"hour": 3, "minute": 49}
